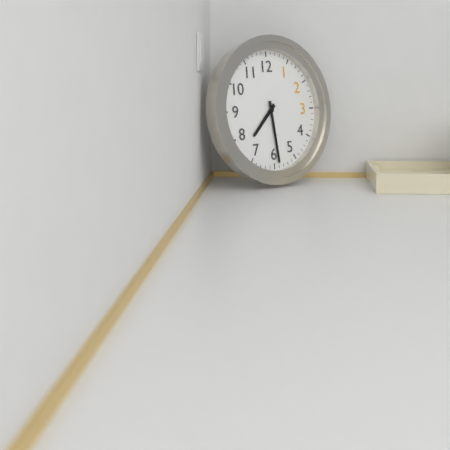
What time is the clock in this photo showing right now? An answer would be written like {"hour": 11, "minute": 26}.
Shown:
{"hour": 7, "minute": 29}
